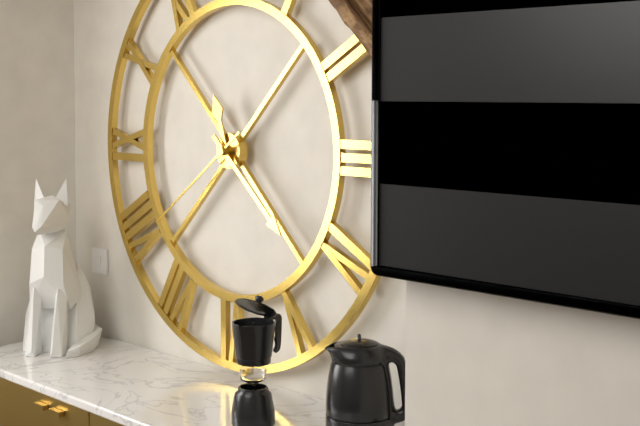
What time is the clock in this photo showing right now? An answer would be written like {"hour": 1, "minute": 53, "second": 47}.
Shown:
{"hour": 11, "minute": 22, "second": 39}
